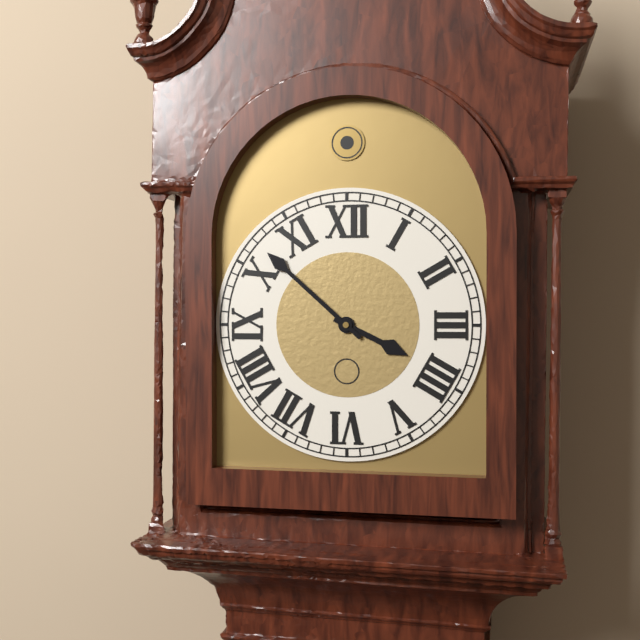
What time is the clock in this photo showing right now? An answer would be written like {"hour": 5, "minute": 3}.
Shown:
{"hour": 3, "minute": 52}
